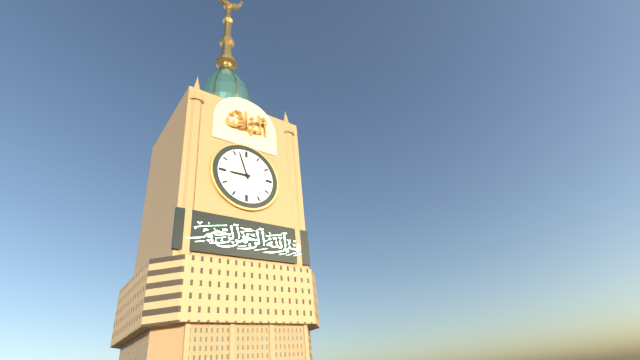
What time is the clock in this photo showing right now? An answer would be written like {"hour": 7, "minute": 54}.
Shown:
{"hour": 8, "minute": 57}
